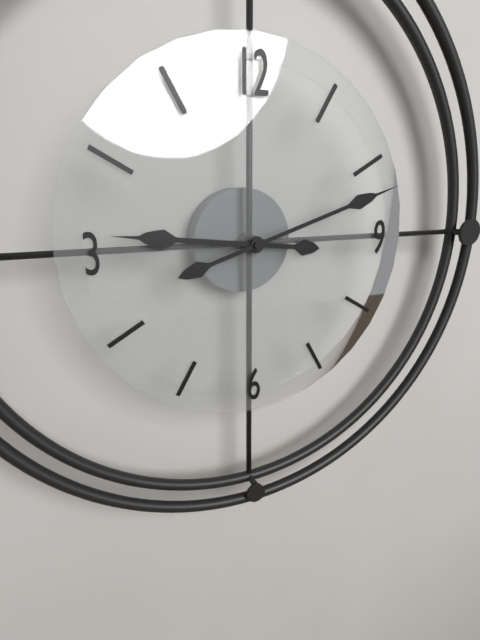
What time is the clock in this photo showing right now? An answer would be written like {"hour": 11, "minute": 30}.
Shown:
{"hour": 9, "minute": 12}
